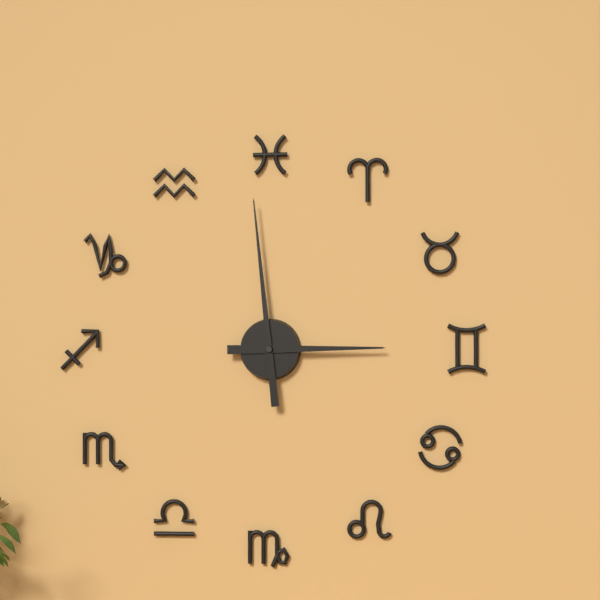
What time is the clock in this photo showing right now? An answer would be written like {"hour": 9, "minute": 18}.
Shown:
{"hour": 2, "minute": 59}
